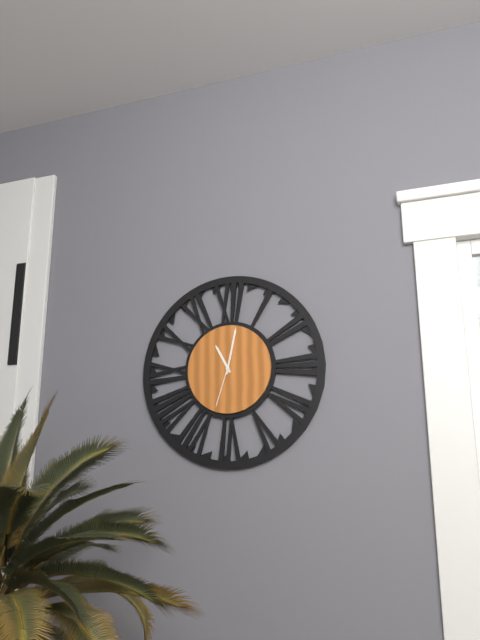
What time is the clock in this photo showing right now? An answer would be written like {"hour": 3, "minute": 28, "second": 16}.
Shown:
{"hour": 11, "minute": 2, "second": 33}
